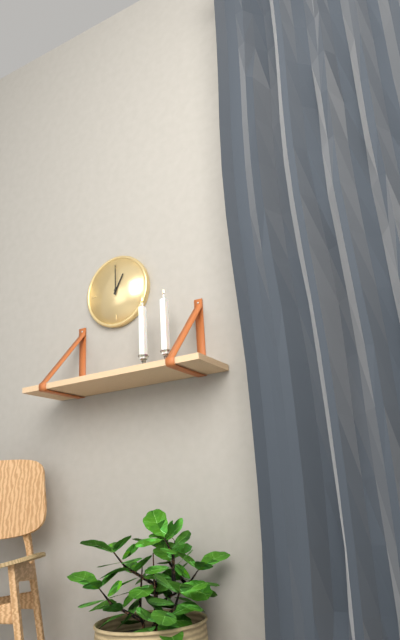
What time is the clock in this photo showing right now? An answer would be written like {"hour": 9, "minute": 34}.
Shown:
{"hour": 1, "minute": 0}
